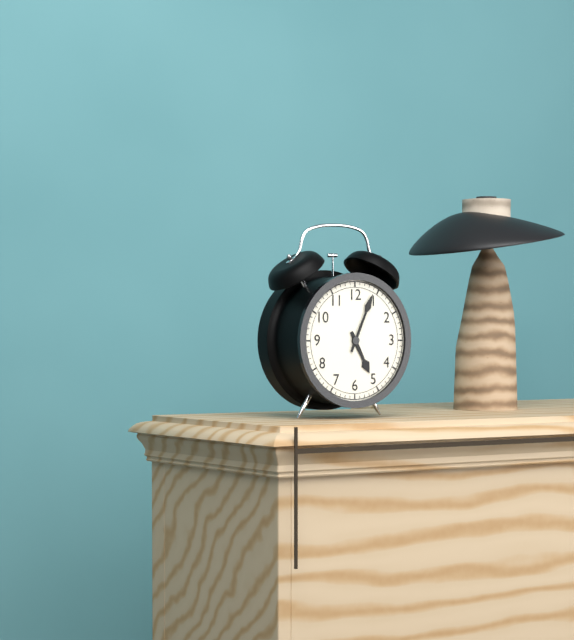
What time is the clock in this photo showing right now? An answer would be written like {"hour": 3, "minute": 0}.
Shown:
{"hour": 5, "minute": 4}
